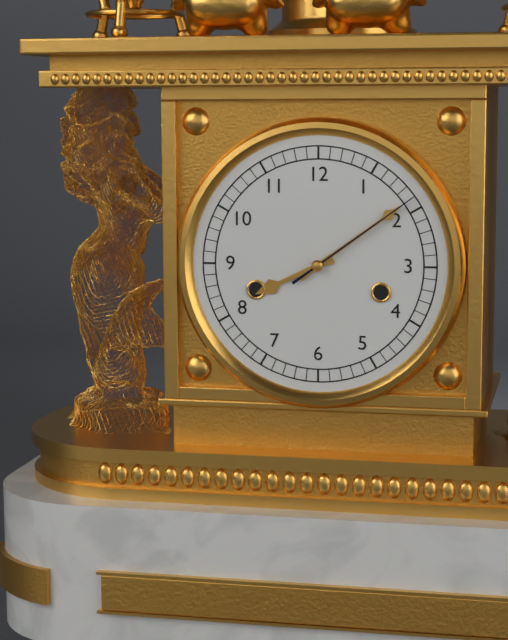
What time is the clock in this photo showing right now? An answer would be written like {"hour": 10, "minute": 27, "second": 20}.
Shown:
{"hour": 8, "minute": 9, "second": 9}
